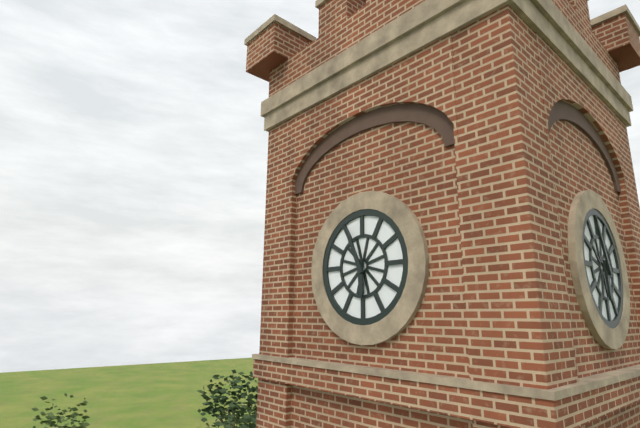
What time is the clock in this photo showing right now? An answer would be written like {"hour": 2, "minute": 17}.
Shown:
{"hour": 5, "minute": 56}
